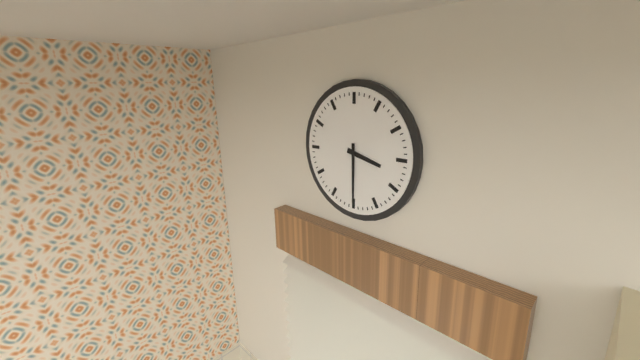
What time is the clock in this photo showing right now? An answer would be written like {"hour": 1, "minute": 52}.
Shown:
{"hour": 3, "minute": 30}
